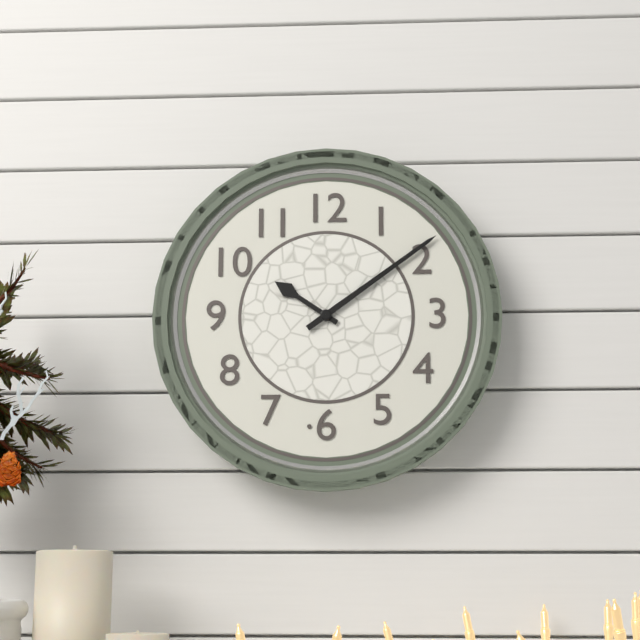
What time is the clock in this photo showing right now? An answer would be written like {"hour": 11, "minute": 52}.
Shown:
{"hour": 10, "minute": 9}
